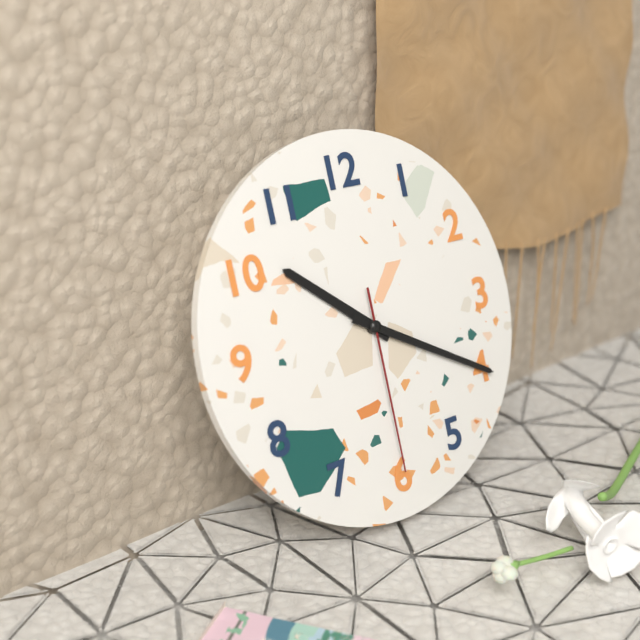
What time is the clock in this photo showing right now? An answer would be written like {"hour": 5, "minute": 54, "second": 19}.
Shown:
{"hour": 10, "minute": 20, "second": 30}
